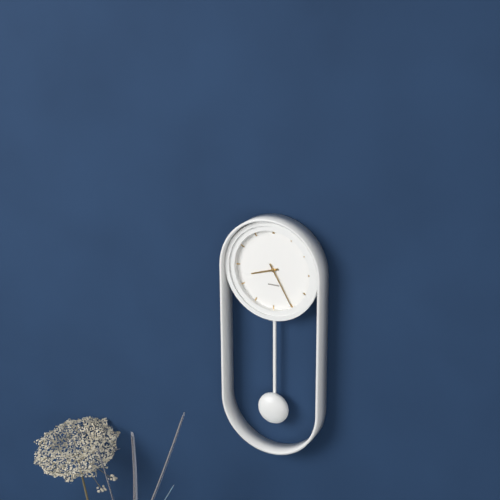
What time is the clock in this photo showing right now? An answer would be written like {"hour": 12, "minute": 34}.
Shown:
{"hour": 8, "minute": 25}
